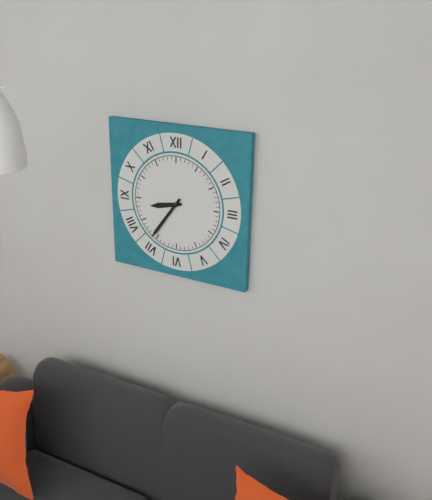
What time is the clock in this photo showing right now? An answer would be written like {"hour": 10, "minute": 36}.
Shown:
{"hour": 8, "minute": 36}
